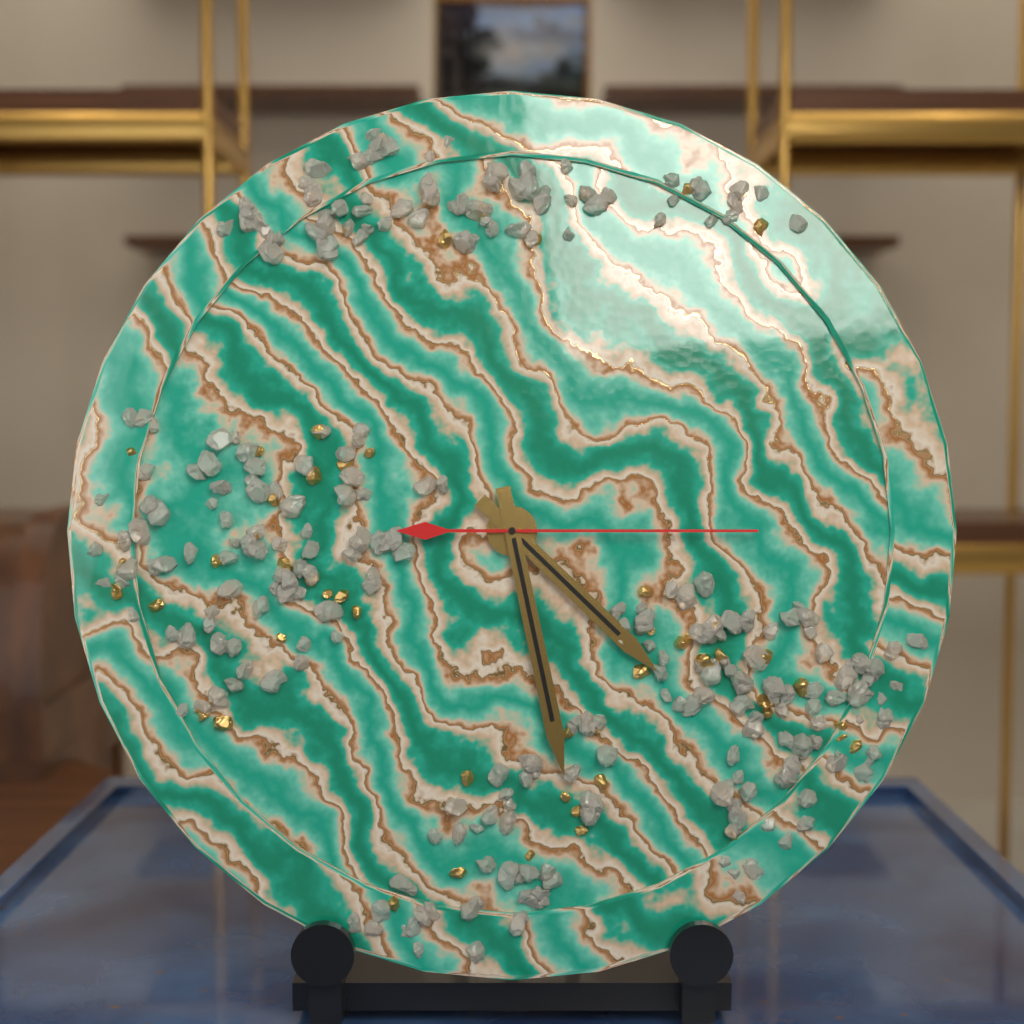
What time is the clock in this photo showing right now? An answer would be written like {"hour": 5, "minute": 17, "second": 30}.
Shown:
{"hour": 4, "minute": 28, "second": 15}
